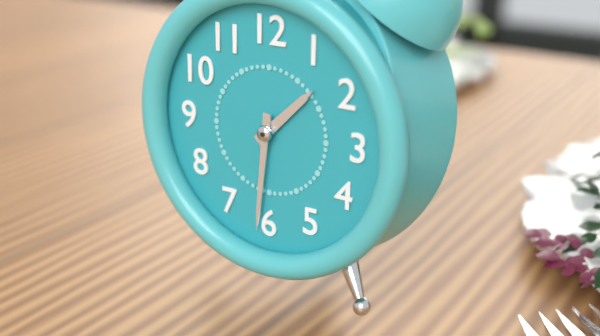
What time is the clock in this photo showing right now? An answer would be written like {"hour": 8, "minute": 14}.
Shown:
{"hour": 1, "minute": 31}
